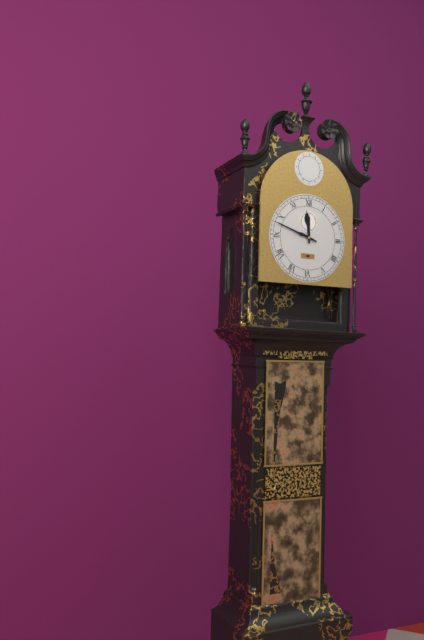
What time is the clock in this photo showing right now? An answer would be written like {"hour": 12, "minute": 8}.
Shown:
{"hour": 11, "minute": 48}
